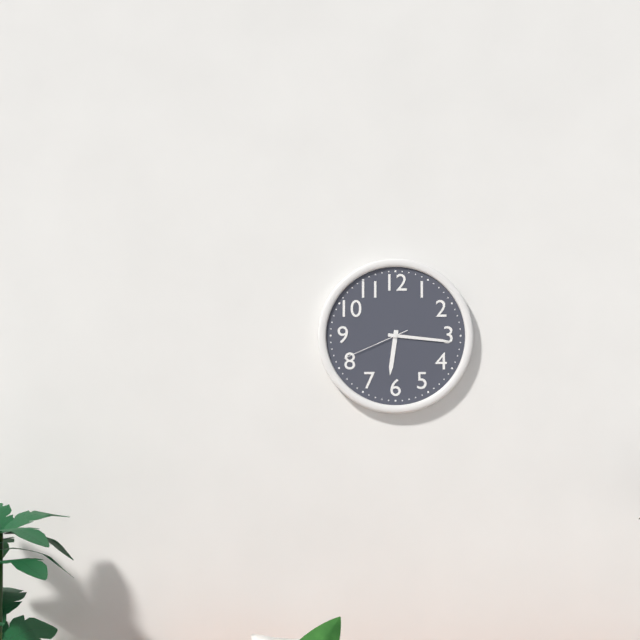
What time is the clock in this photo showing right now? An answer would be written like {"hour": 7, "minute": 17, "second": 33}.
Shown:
{"hour": 6, "minute": 16, "second": 41}
